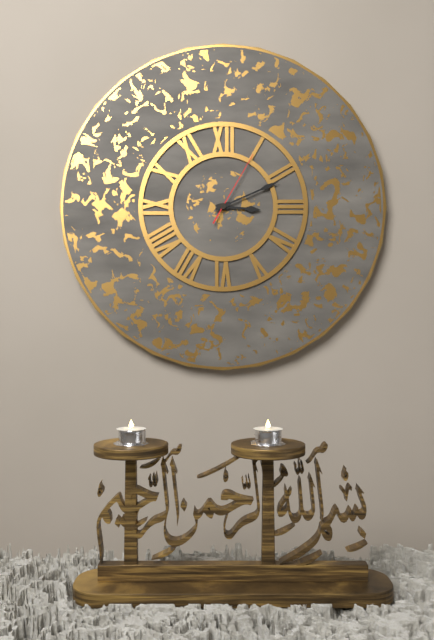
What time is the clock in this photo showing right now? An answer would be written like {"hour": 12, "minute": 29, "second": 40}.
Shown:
{"hour": 3, "minute": 11, "second": 5}
